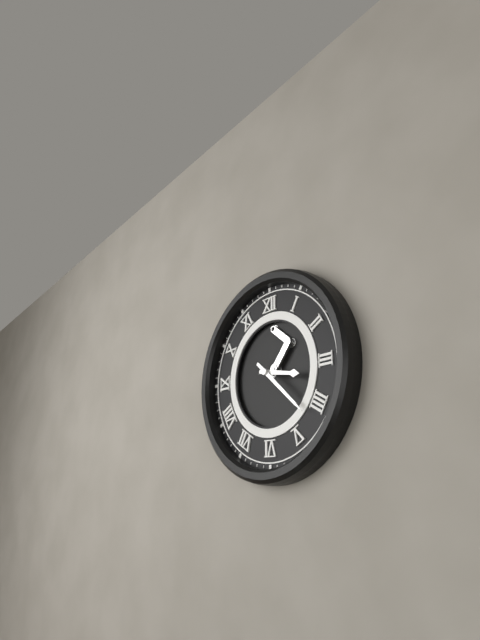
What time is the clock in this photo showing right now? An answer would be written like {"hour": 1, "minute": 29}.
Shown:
{"hour": 3, "minute": 22}
